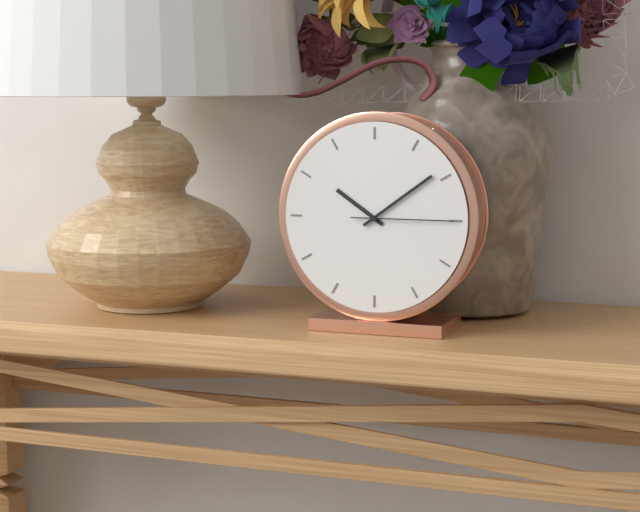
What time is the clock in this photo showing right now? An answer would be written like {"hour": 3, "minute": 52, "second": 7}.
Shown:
{"hour": 10, "minute": 9, "second": 15}
